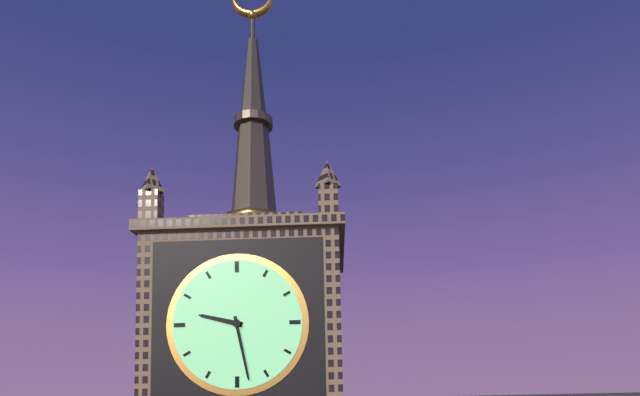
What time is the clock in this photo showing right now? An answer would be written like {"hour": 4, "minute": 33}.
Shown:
{"hour": 9, "minute": 28}
